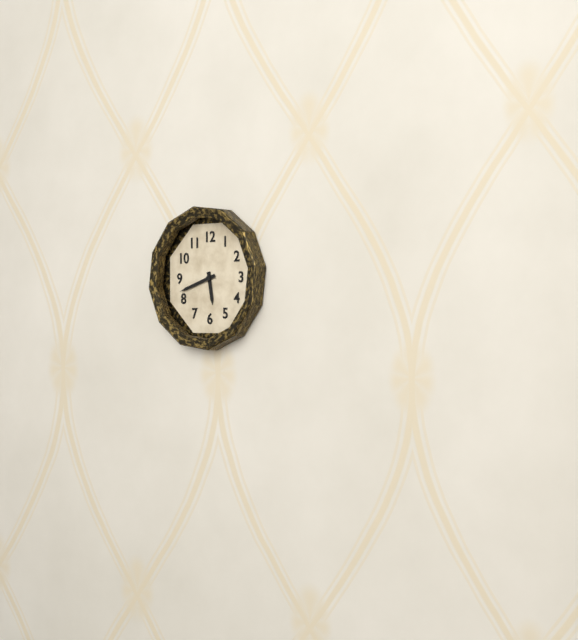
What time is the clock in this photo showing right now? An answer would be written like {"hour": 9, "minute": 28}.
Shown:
{"hour": 5, "minute": 42}
